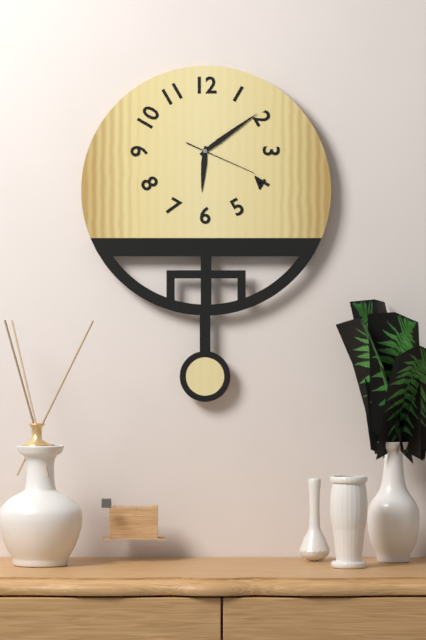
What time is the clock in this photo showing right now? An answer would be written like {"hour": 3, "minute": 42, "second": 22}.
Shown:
{"hour": 6, "minute": 9, "second": 19}
